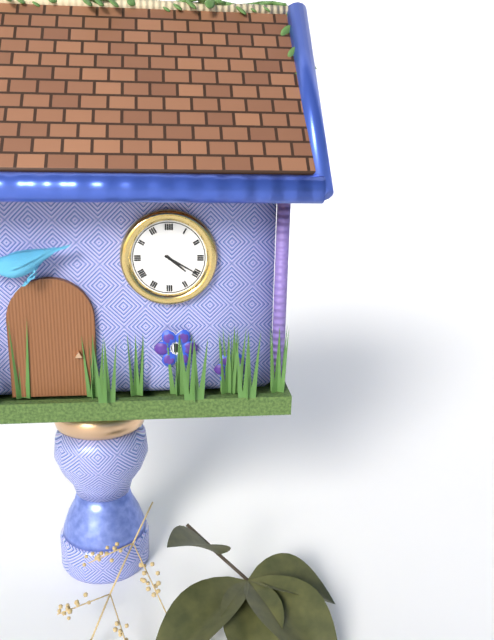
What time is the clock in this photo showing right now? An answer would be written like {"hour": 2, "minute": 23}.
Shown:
{"hour": 4, "minute": 20}
